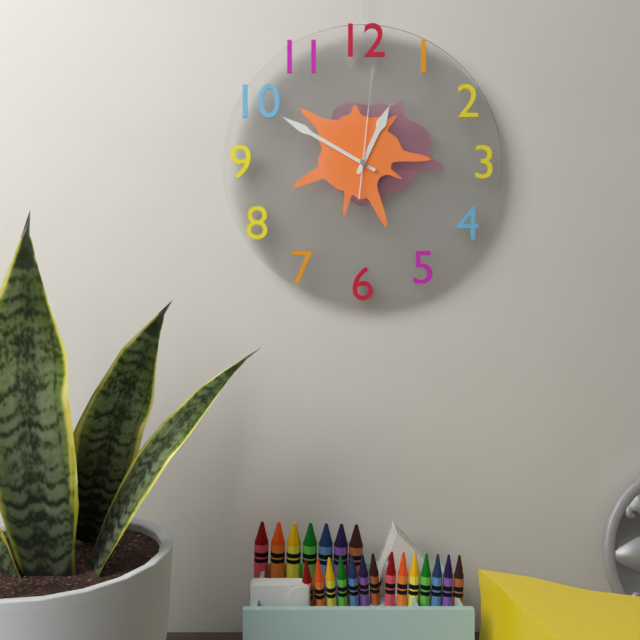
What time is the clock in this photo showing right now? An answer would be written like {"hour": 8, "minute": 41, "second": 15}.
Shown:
{"hour": 12, "minute": 50, "second": 1}
